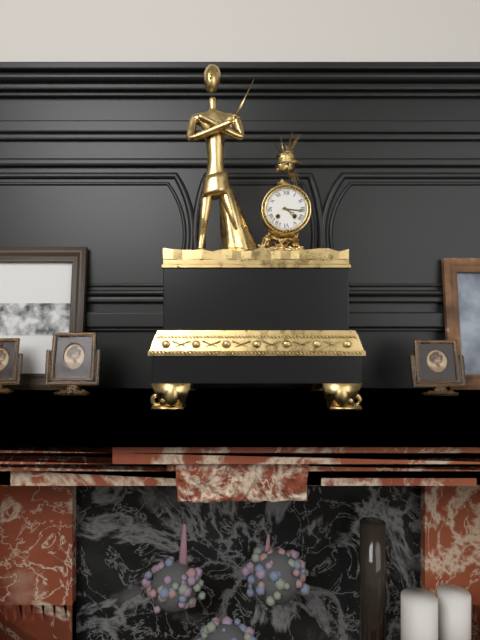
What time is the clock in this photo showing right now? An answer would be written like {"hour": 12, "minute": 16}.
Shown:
{"hour": 4, "minute": 16}
